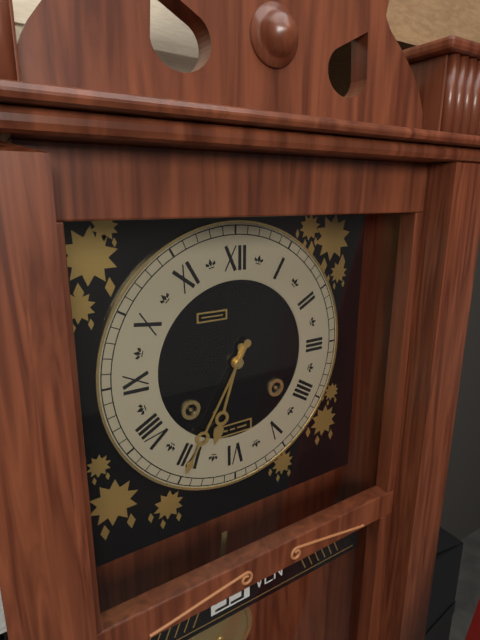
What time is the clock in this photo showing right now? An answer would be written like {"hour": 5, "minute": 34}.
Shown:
{"hour": 6, "minute": 35}
